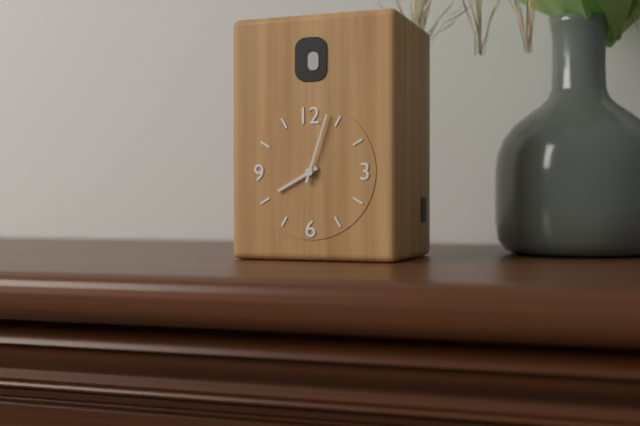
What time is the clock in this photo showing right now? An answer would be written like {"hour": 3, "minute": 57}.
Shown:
{"hour": 8, "minute": 3}
